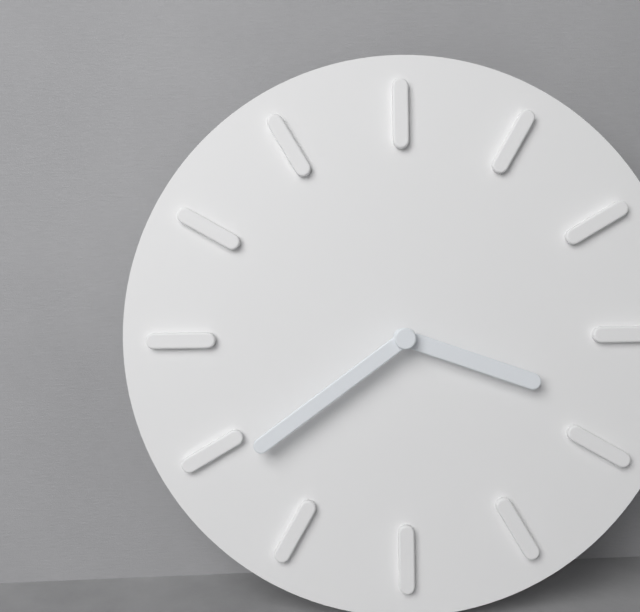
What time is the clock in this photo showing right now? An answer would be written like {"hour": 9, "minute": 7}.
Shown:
{"hour": 3, "minute": 39}
